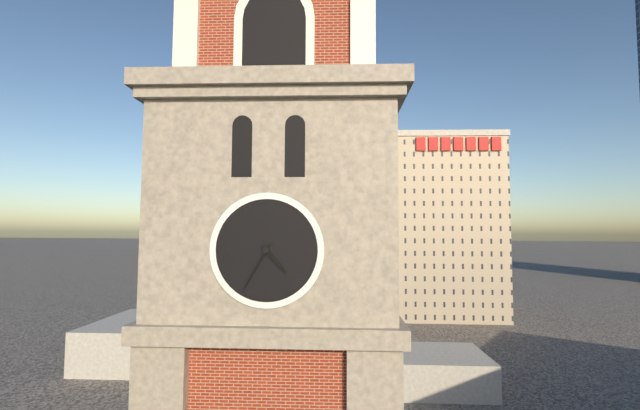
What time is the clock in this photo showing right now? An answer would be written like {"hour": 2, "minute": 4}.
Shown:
{"hour": 4, "minute": 35}
